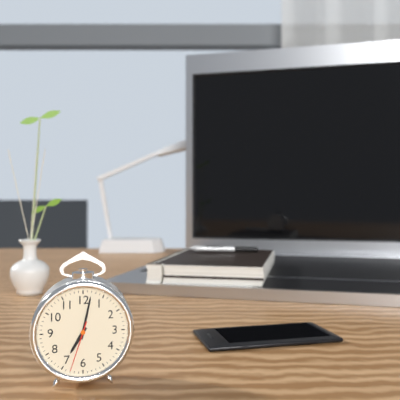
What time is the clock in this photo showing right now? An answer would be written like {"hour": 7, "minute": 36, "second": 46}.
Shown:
{"hour": 7, "minute": 2, "second": 33}
